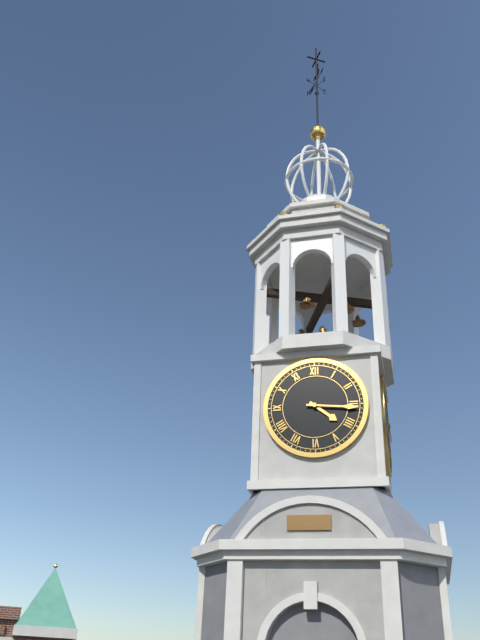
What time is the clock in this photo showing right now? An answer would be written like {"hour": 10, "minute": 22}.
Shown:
{"hour": 4, "minute": 16}
